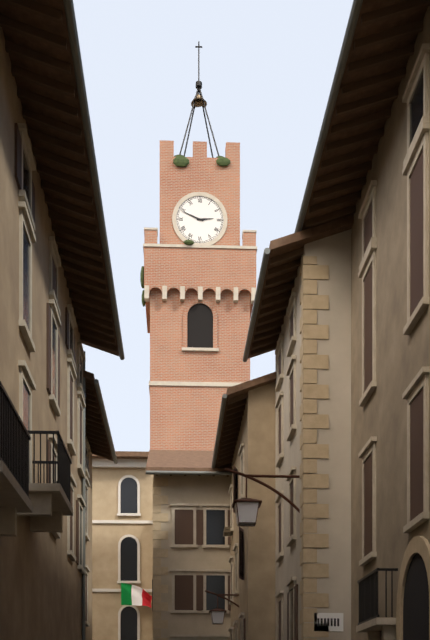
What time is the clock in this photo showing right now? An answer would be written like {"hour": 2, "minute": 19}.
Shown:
{"hour": 2, "minute": 49}
